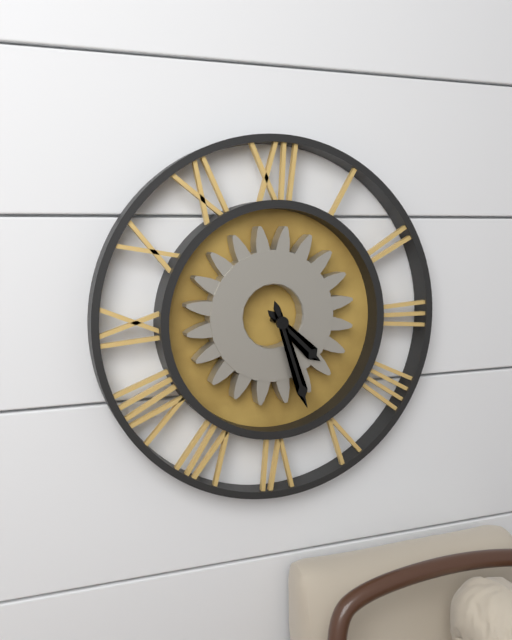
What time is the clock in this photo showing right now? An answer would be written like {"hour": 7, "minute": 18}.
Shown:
{"hour": 4, "minute": 27}
